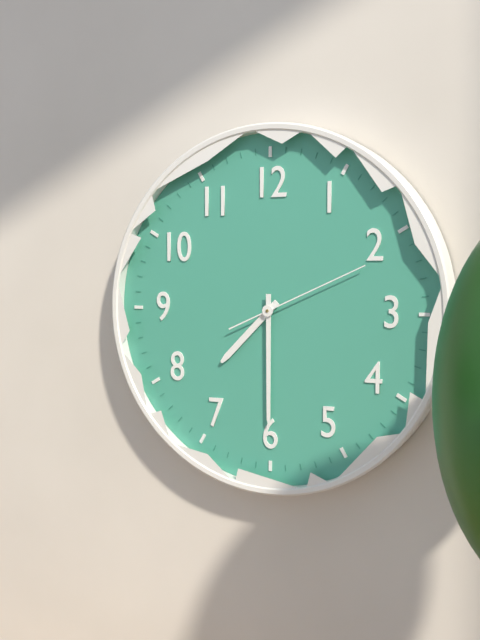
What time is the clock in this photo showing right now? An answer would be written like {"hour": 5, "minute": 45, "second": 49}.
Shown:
{"hour": 7, "minute": 30, "second": 11}
